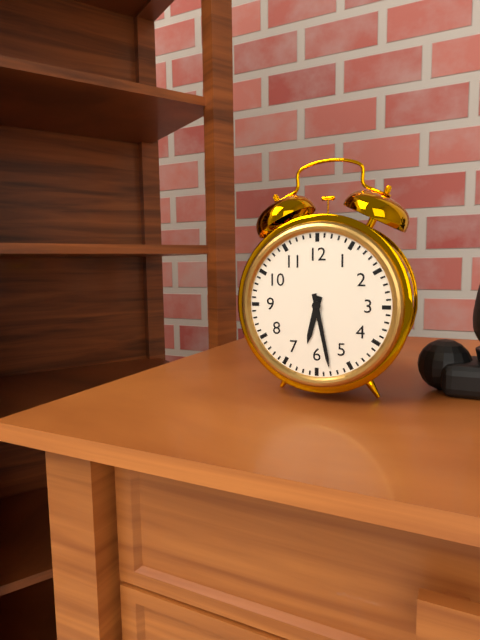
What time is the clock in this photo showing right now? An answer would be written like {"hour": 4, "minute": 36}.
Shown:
{"hour": 6, "minute": 28}
